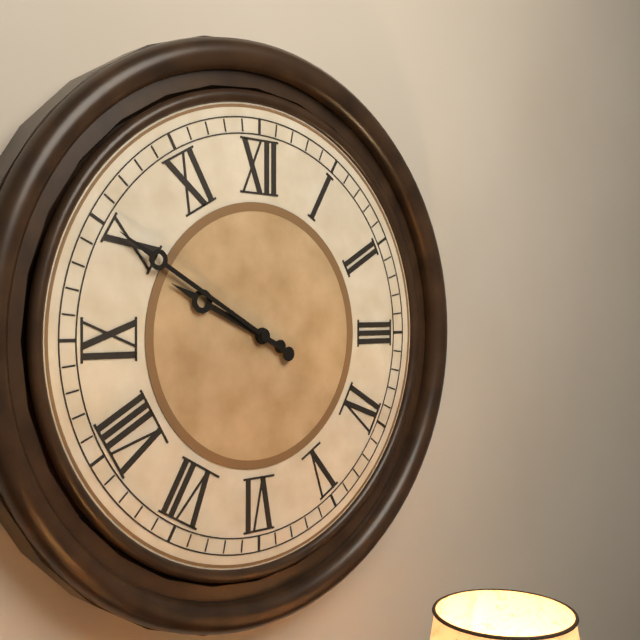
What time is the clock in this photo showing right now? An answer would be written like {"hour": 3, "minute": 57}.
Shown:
{"hour": 9, "minute": 50}
